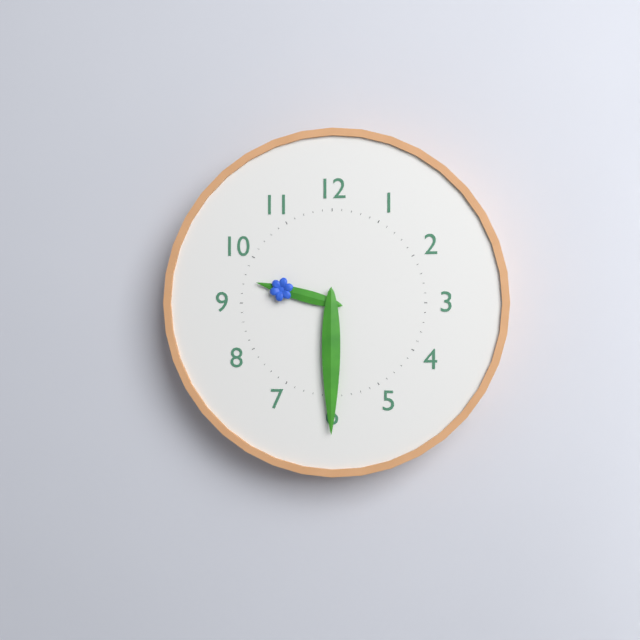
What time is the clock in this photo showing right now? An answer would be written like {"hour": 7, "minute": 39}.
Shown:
{"hour": 9, "minute": 30}
